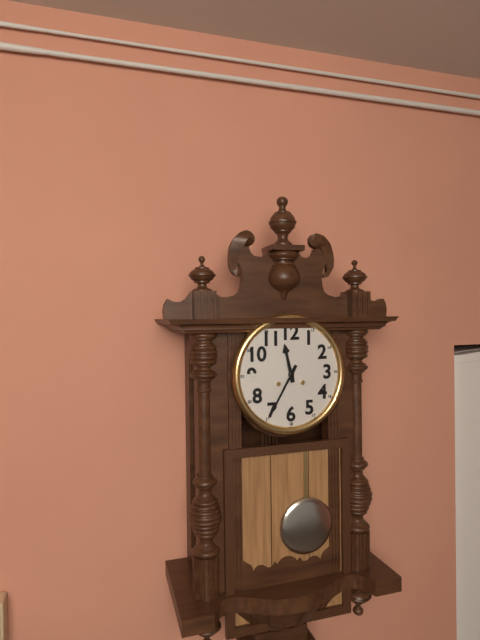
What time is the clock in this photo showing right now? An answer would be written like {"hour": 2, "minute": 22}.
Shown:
{"hour": 11, "minute": 35}
